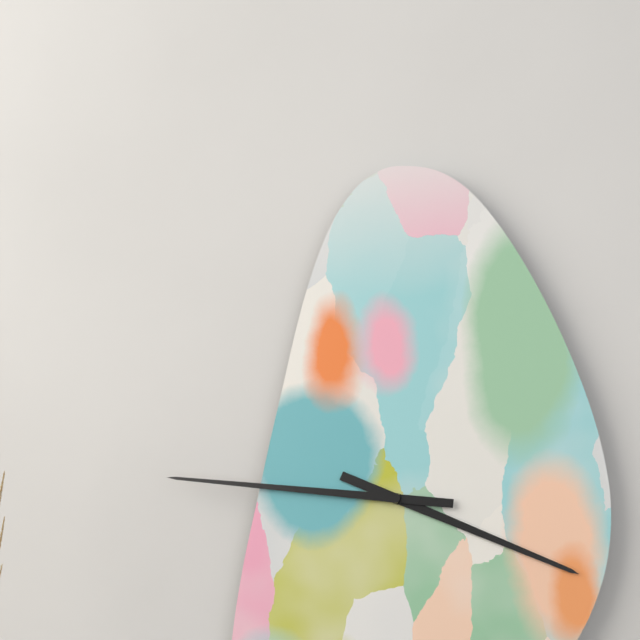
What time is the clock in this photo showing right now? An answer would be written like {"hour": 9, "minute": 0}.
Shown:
{"hour": 3, "minute": 46}
